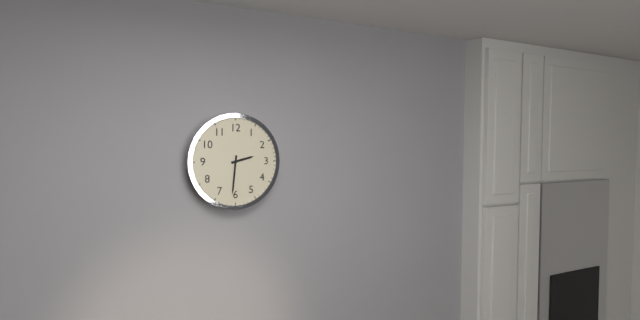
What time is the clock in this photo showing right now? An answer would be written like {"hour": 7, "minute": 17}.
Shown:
{"hour": 2, "minute": 31}
